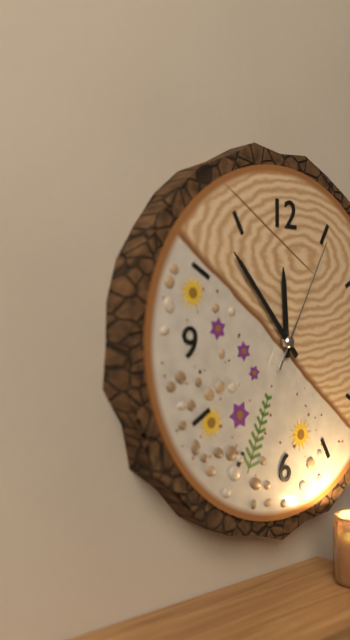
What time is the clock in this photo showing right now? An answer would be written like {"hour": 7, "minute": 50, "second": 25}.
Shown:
{"hour": 11, "minute": 53, "second": 5}
